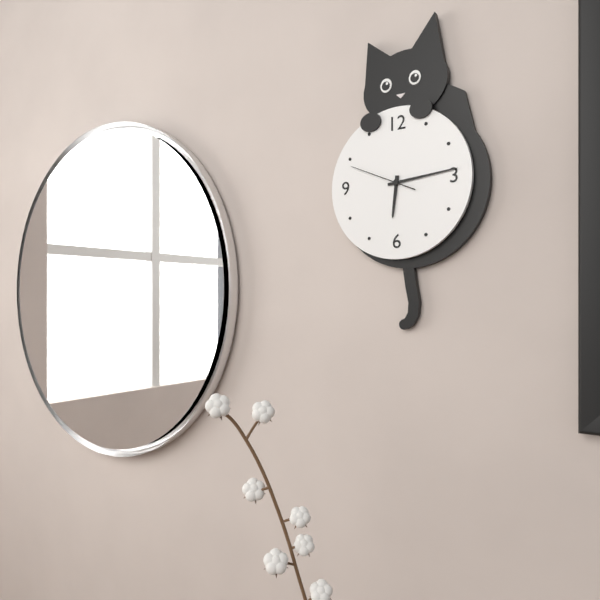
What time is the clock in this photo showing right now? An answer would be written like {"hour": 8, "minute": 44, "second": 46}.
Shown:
{"hour": 6, "minute": 14, "second": 49}
